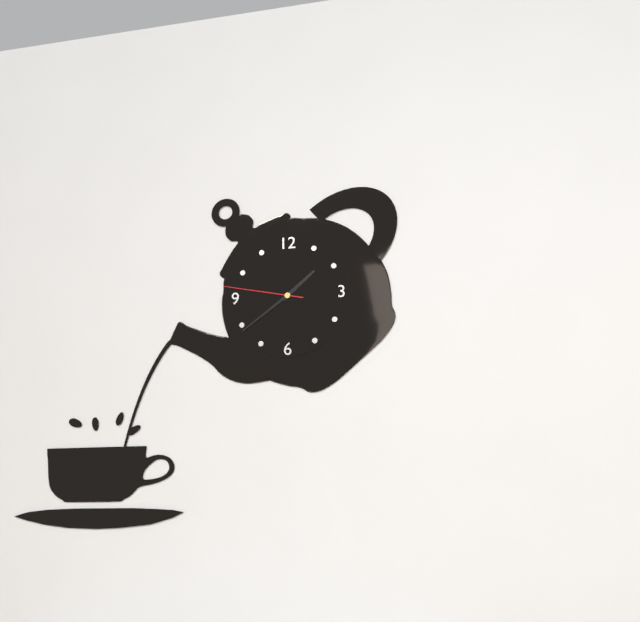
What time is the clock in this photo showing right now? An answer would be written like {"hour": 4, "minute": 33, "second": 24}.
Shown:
{"hour": 1, "minute": 39, "second": 47}
